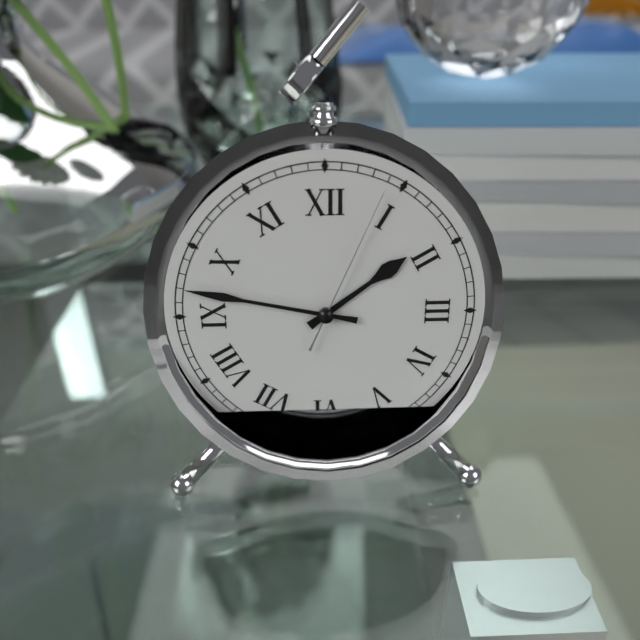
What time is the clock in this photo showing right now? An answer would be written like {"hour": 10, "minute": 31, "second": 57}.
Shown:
{"hour": 1, "minute": 47, "second": 4}
